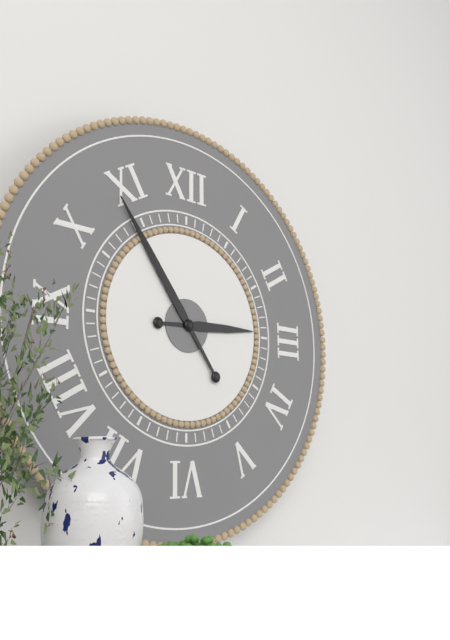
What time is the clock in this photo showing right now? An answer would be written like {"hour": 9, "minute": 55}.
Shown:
{"hour": 2, "minute": 54}
